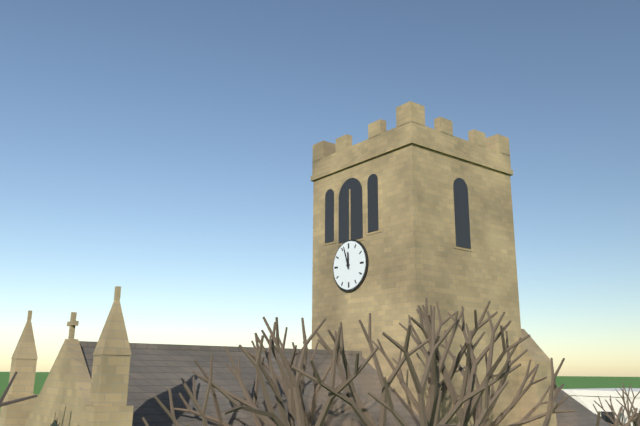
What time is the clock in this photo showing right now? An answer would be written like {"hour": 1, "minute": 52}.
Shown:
{"hour": 11, "minute": 57}
